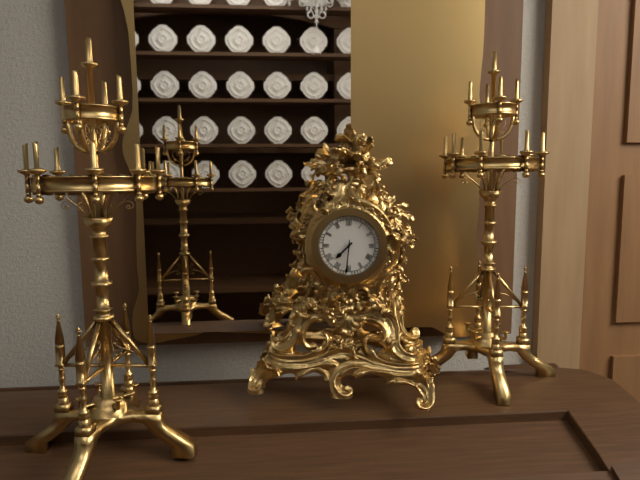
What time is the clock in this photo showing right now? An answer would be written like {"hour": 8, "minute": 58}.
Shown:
{"hour": 7, "minute": 31}
